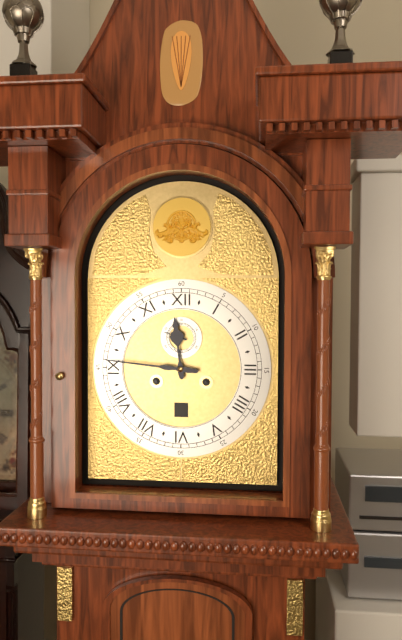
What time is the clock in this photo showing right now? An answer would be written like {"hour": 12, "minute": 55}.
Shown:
{"hour": 11, "minute": 46}
